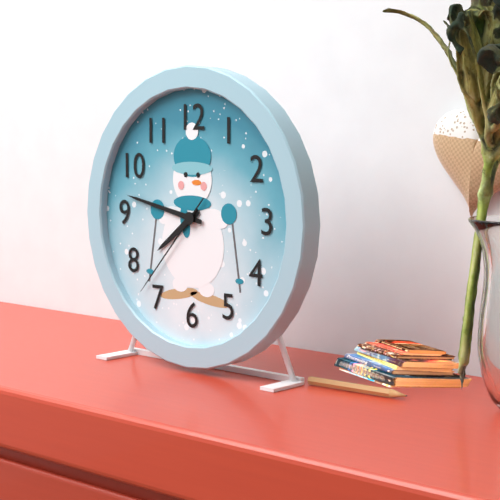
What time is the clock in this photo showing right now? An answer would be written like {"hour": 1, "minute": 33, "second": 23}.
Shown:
{"hour": 7, "minute": 47, "second": 37}
